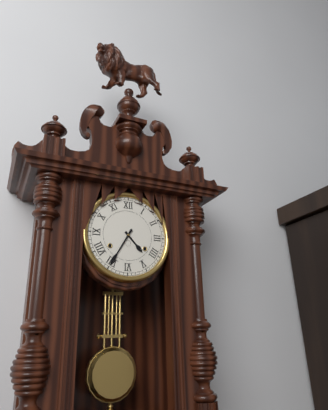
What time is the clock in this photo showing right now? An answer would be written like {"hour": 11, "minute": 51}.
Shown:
{"hour": 4, "minute": 35}
